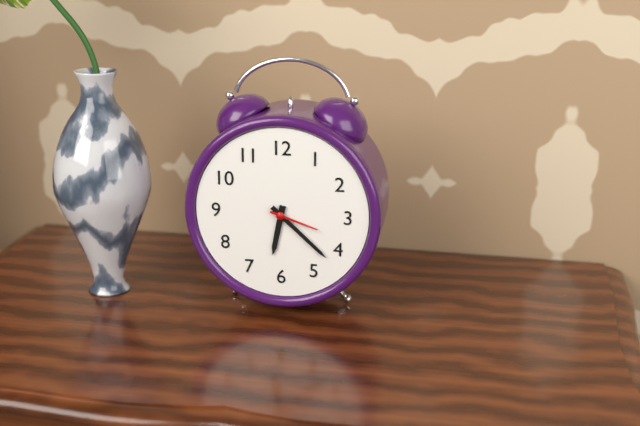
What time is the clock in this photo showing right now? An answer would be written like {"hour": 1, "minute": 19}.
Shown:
{"hour": 6, "minute": 22}
